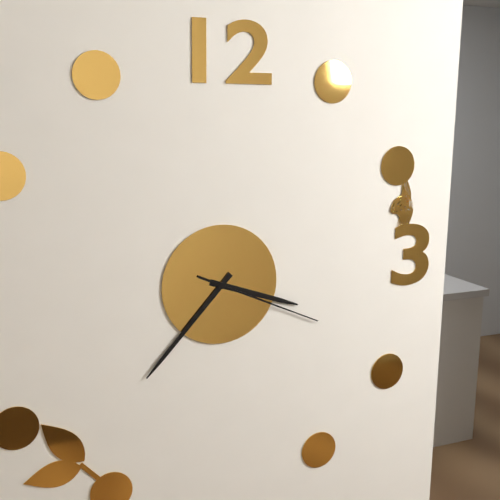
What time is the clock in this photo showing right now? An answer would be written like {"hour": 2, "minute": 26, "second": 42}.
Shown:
{"hour": 3, "minute": 37, "second": 19}
